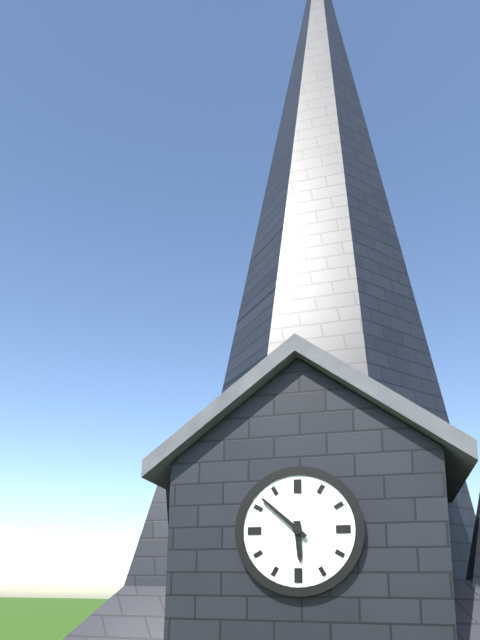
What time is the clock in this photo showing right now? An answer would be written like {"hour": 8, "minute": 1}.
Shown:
{"hour": 5, "minute": 52}
